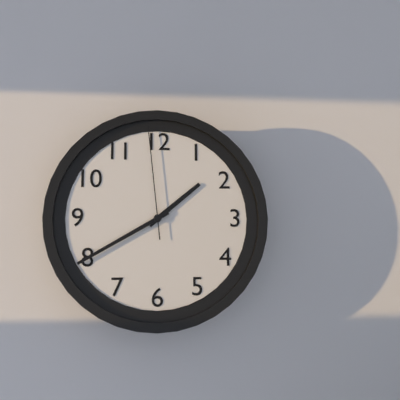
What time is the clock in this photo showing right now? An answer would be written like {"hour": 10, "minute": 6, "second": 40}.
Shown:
{"hour": 1, "minute": 40, "second": 59}
